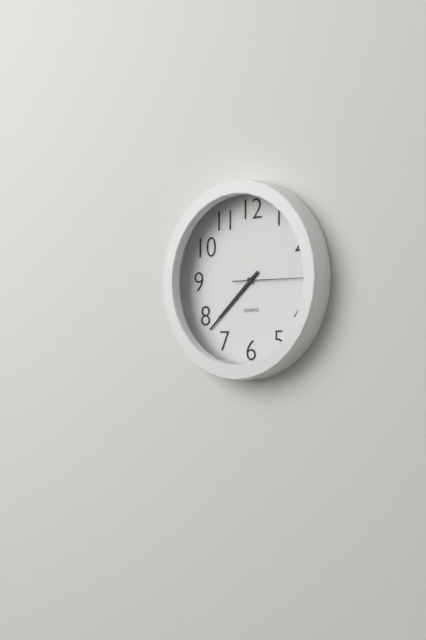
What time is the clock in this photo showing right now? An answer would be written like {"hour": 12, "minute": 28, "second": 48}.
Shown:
{"hour": 7, "minute": 38, "second": 15}
